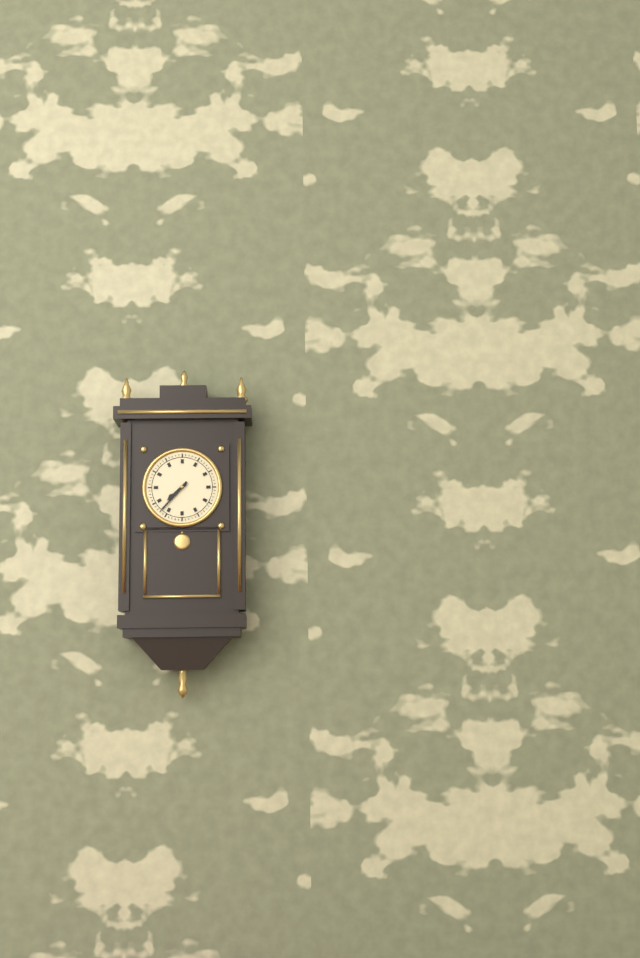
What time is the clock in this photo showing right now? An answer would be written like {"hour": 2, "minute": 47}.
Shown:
{"hour": 7, "minute": 37}
